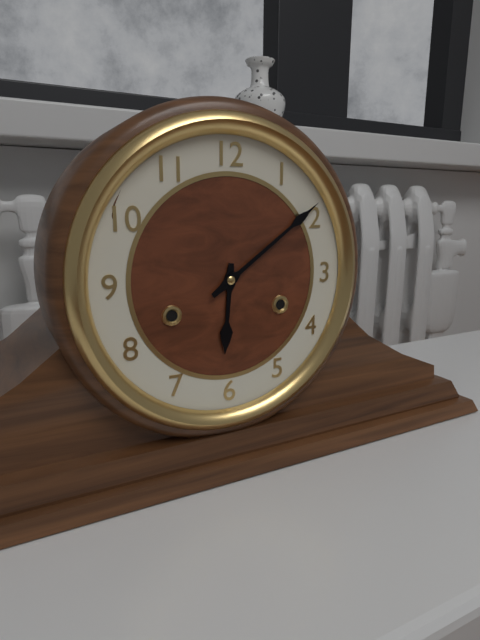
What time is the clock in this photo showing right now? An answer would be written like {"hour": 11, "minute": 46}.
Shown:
{"hour": 6, "minute": 9}
